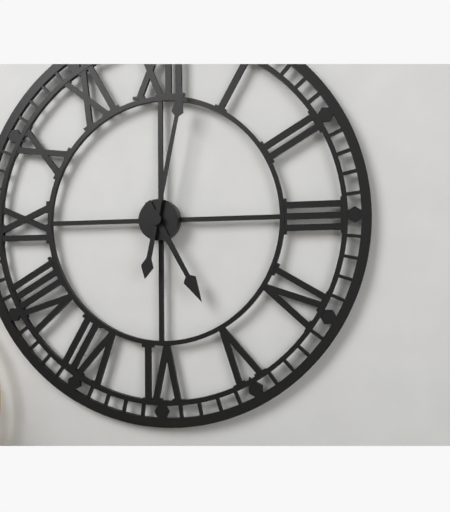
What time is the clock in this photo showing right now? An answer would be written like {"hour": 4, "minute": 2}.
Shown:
{"hour": 5, "minute": 2}
